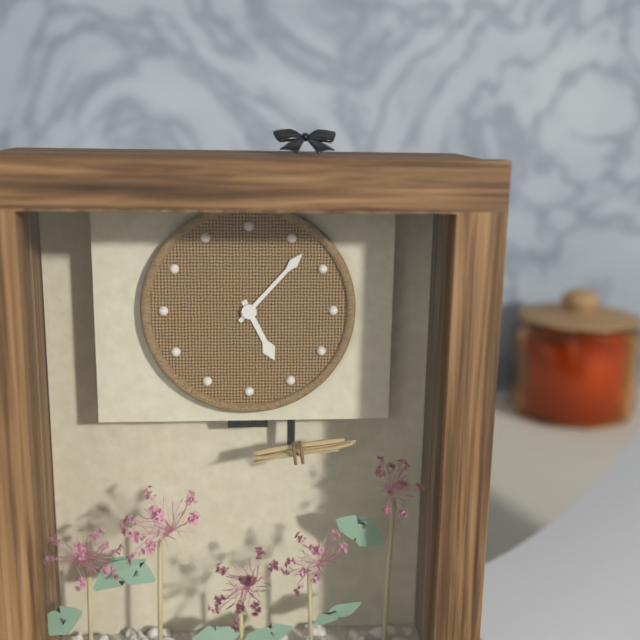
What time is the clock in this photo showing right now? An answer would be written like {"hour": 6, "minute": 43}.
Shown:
{"hour": 5, "minute": 7}
